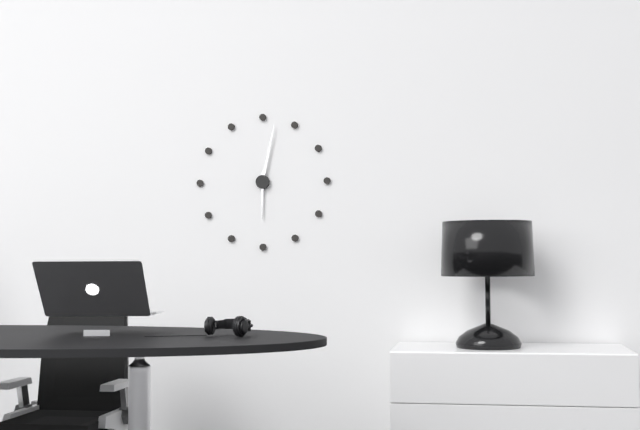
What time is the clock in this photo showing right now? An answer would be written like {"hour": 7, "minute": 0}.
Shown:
{"hour": 6, "minute": 2}
